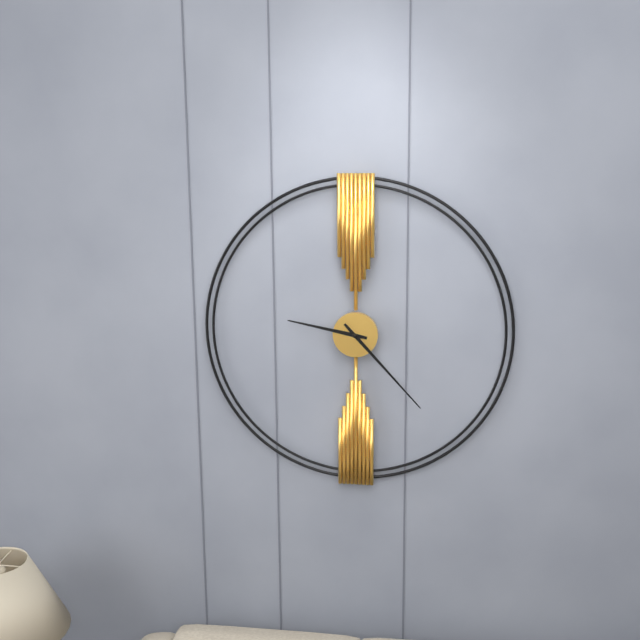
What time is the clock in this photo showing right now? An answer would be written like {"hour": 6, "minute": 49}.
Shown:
{"hour": 9, "minute": 23}
